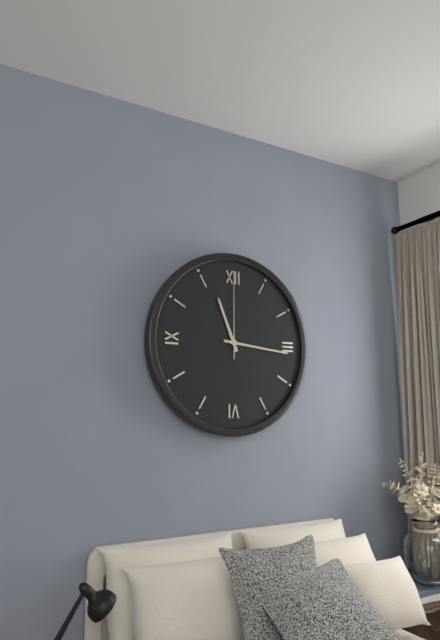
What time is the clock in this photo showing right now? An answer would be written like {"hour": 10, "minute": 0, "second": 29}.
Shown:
{"hour": 11, "minute": 16, "second": 0}
